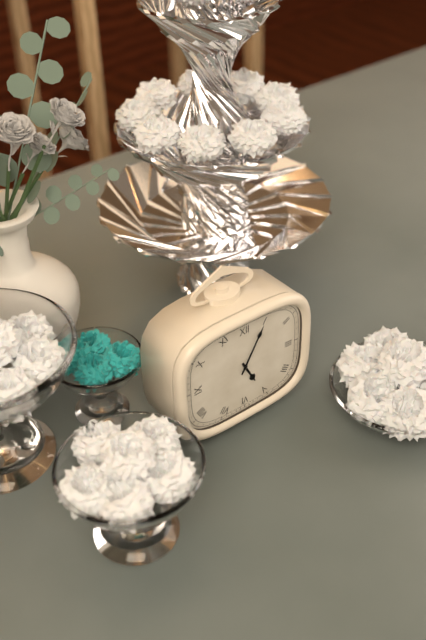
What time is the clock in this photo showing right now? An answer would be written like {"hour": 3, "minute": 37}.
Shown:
{"hour": 5, "minute": 5}
